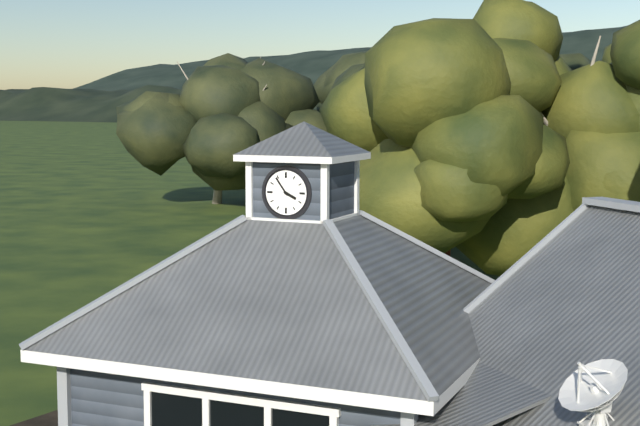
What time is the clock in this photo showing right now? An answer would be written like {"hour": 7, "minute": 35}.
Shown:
{"hour": 3, "minute": 54}
